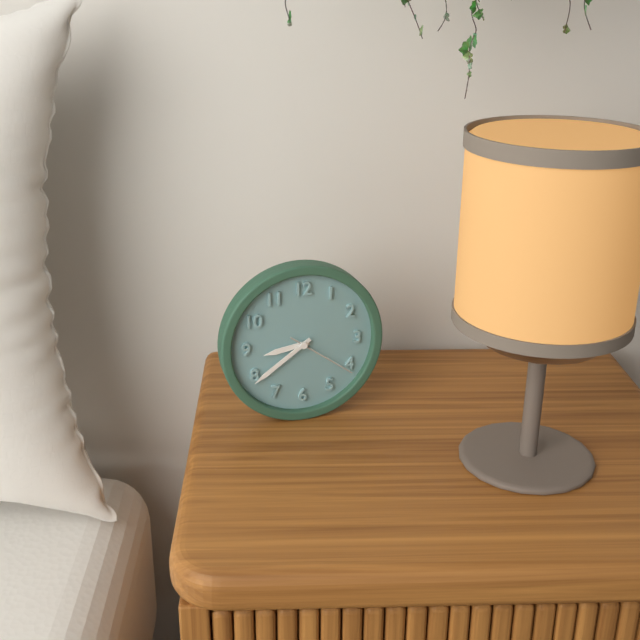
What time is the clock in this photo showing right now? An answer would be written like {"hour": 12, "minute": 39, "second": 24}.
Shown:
{"hour": 8, "minute": 39, "second": 21}
